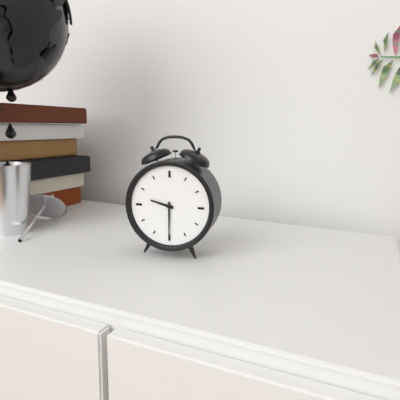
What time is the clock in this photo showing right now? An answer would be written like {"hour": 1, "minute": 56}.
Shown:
{"hour": 9, "minute": 30}
